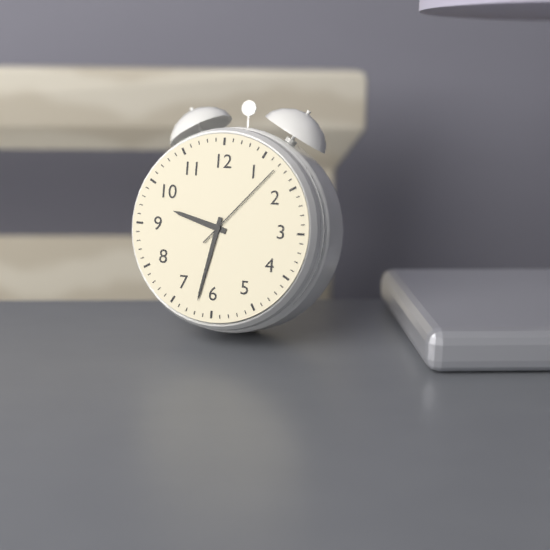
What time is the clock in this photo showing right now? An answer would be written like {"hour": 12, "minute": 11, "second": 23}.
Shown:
{"hour": 9, "minute": 32, "second": 7}
